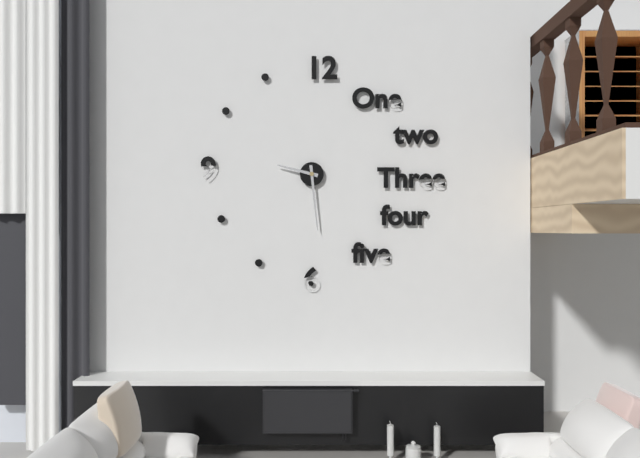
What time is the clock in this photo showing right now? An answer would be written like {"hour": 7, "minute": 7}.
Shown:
{"hour": 9, "minute": 29}
